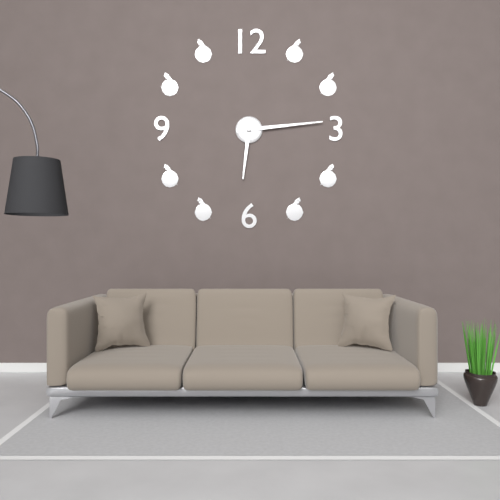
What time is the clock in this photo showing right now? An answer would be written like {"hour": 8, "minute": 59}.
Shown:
{"hour": 6, "minute": 14}
